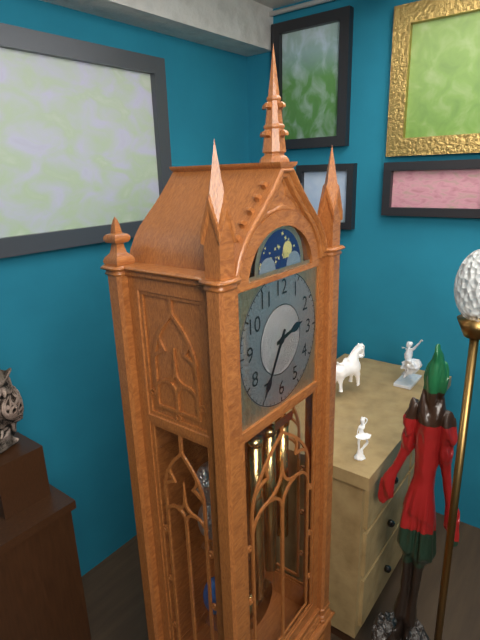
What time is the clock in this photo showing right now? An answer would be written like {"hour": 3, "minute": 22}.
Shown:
{"hour": 2, "minute": 35}
